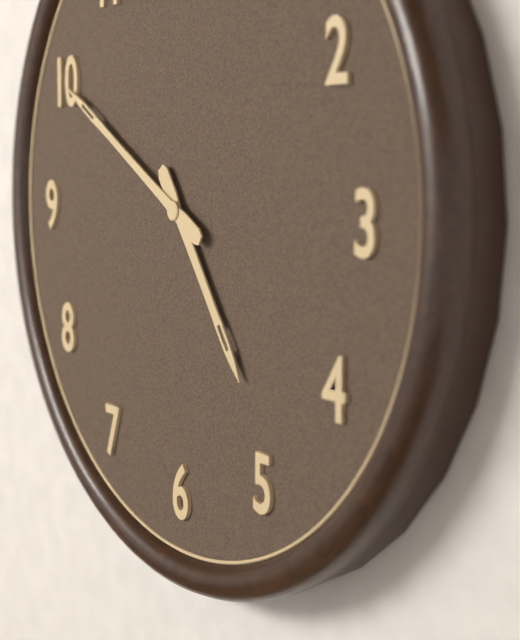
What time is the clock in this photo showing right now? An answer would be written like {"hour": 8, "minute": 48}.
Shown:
{"hour": 4, "minute": 50}
